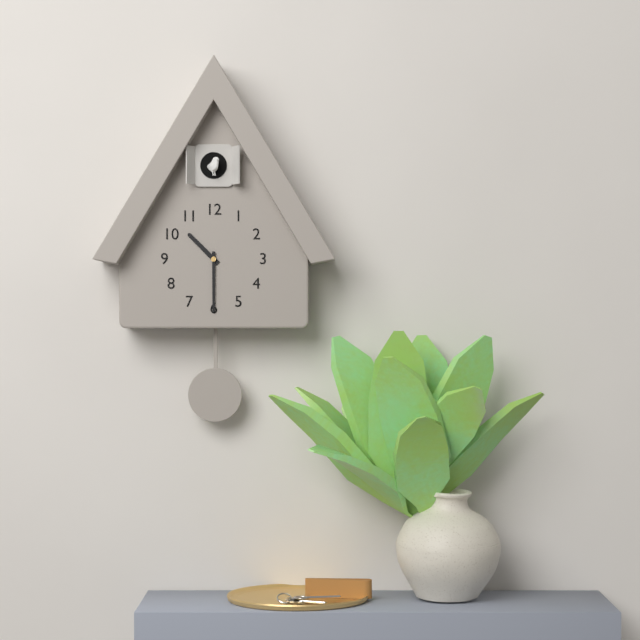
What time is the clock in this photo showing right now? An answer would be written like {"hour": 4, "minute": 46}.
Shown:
{"hour": 10, "minute": 30}
